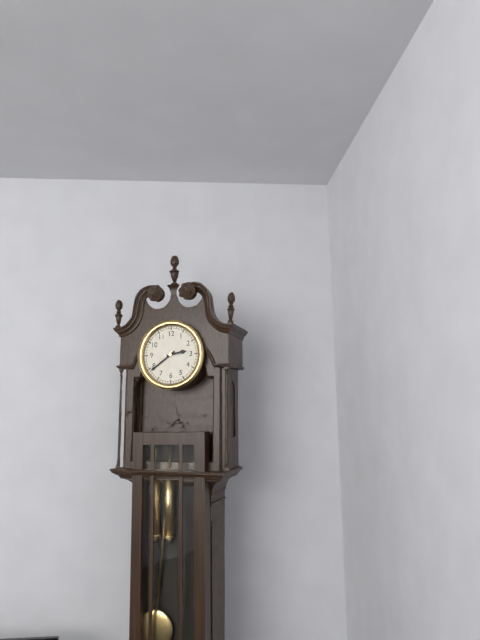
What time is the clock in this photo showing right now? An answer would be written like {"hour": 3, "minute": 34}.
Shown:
{"hour": 2, "minute": 39}
